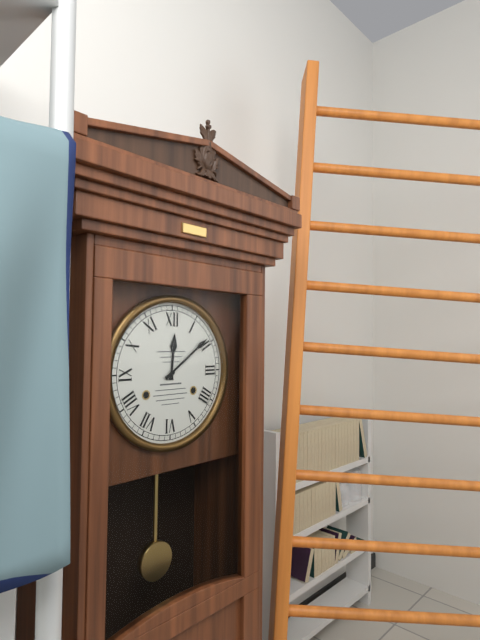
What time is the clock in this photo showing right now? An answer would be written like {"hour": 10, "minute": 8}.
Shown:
{"hour": 12, "minute": 9}
